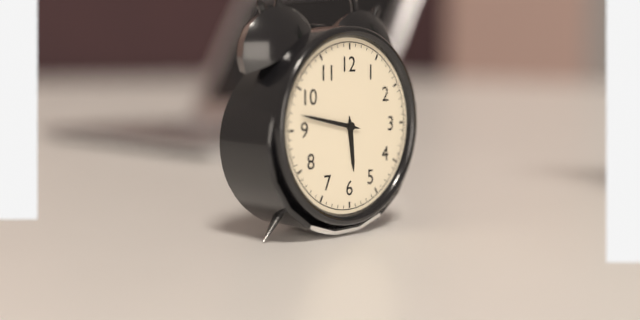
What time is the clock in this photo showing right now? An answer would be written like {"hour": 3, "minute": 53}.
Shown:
{"hour": 5, "minute": 47}
